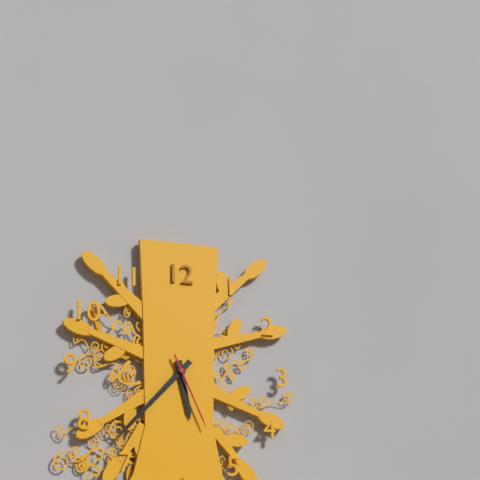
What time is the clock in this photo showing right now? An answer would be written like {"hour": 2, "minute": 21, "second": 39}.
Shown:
{"hour": 5, "minute": 37, "second": 26}
